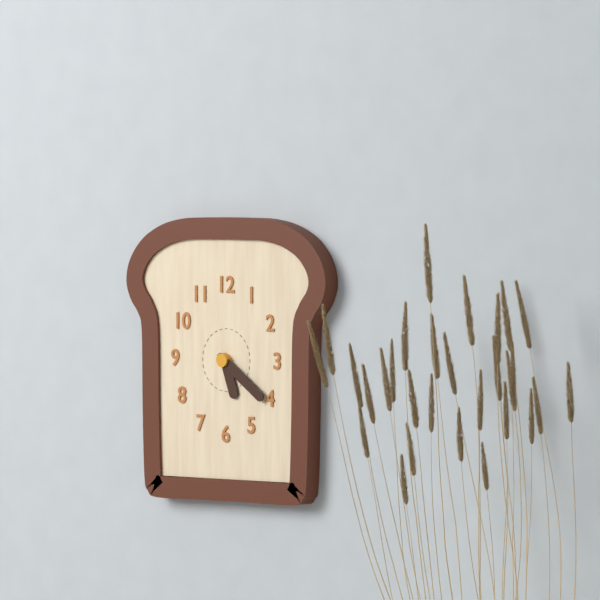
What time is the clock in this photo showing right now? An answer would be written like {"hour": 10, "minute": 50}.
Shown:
{"hour": 5, "minute": 21}
